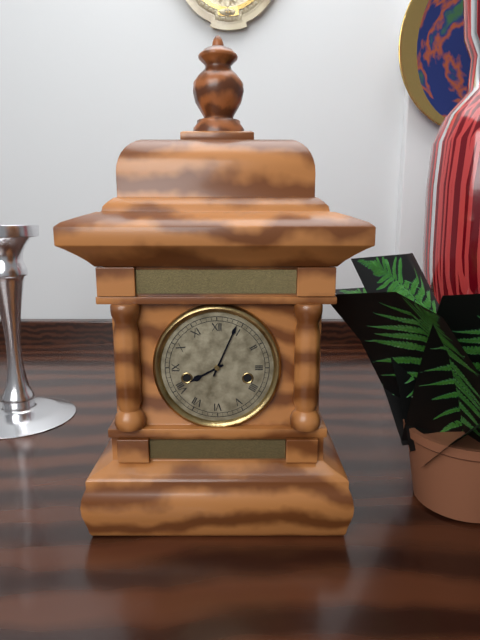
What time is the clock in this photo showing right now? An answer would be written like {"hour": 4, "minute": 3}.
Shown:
{"hour": 8, "minute": 4}
